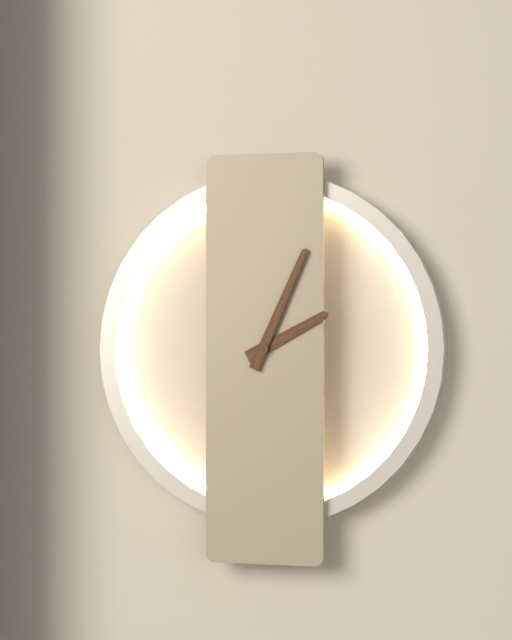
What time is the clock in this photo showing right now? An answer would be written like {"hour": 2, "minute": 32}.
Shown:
{"hour": 2, "minute": 4}
